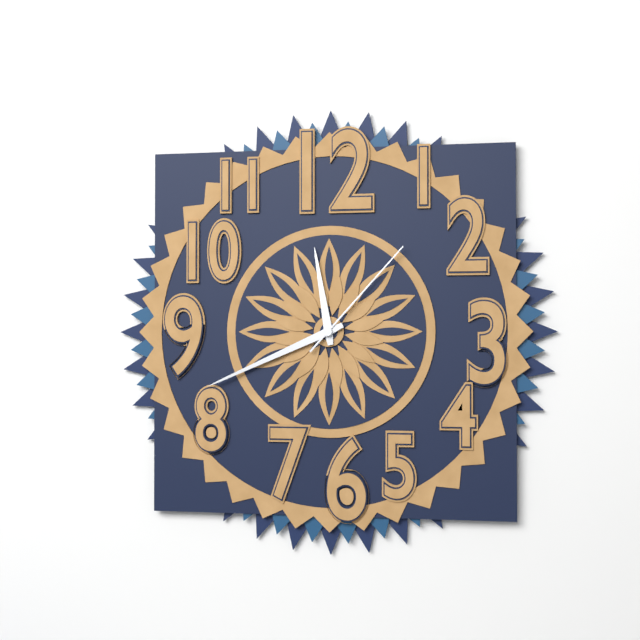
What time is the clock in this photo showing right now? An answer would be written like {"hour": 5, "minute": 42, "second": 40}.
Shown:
{"hour": 11, "minute": 41, "second": 7}
